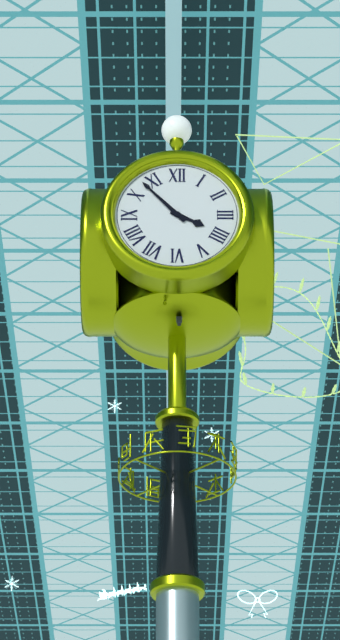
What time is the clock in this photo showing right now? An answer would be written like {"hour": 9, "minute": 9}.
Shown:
{"hour": 3, "minute": 53}
